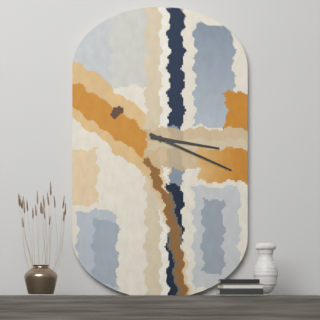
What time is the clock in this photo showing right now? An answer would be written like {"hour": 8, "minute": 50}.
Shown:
{"hour": 3, "minute": 19}
